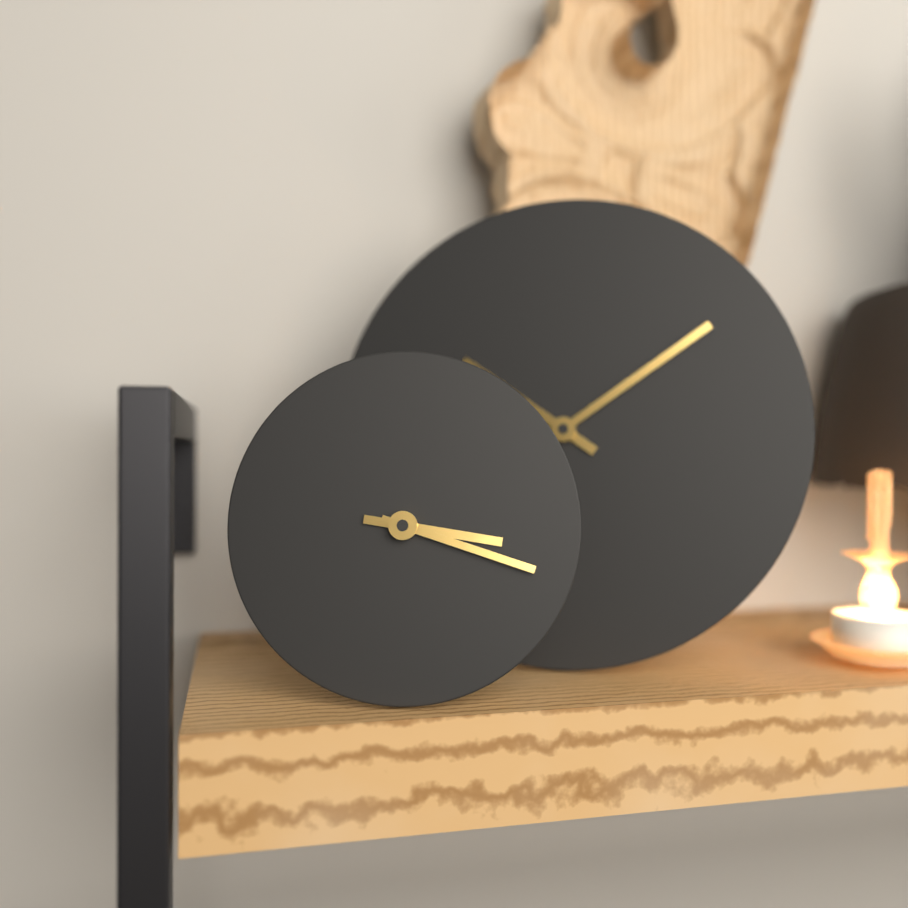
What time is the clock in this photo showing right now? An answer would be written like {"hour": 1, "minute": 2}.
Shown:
{"hour": 3, "minute": 18}
